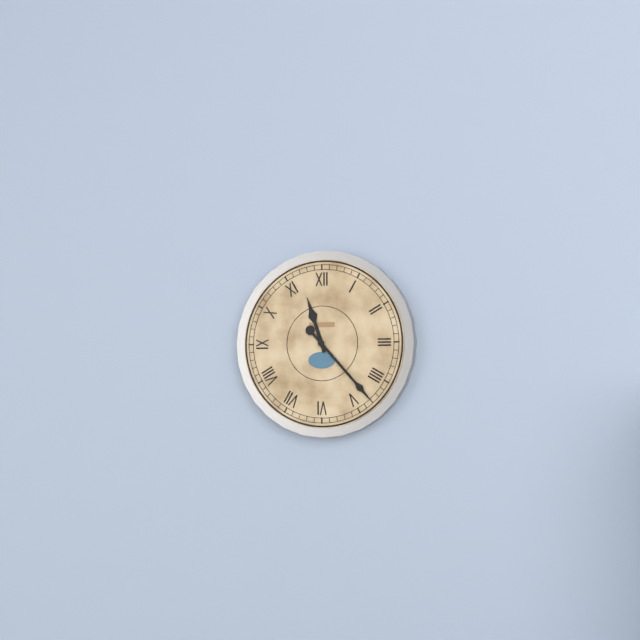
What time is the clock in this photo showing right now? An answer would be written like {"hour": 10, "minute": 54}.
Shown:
{"hour": 11, "minute": 23}
